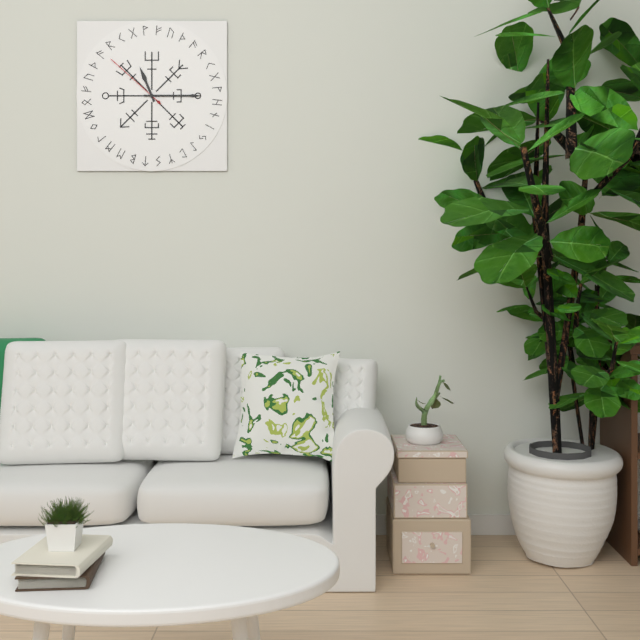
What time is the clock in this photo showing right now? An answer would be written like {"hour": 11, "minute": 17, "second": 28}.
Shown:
{"hour": 11, "minute": 15, "second": 52}
